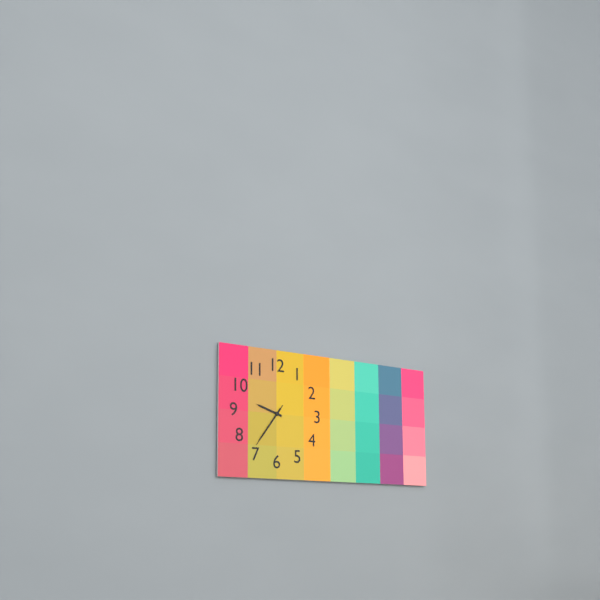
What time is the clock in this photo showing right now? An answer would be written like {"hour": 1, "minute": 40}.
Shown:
{"hour": 9, "minute": 36}
